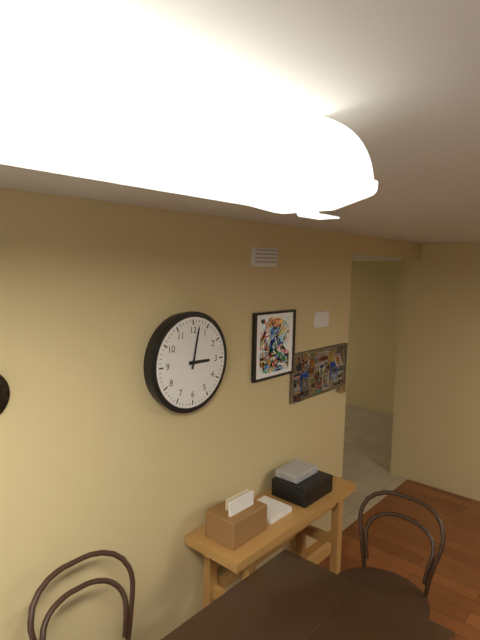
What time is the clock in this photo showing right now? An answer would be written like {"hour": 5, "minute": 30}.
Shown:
{"hour": 3, "minute": 2}
